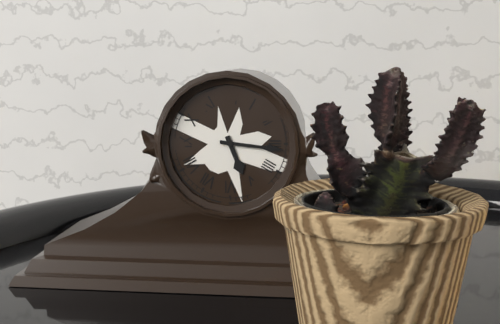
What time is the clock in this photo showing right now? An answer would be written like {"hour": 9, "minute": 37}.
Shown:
{"hour": 5, "minute": 16}
